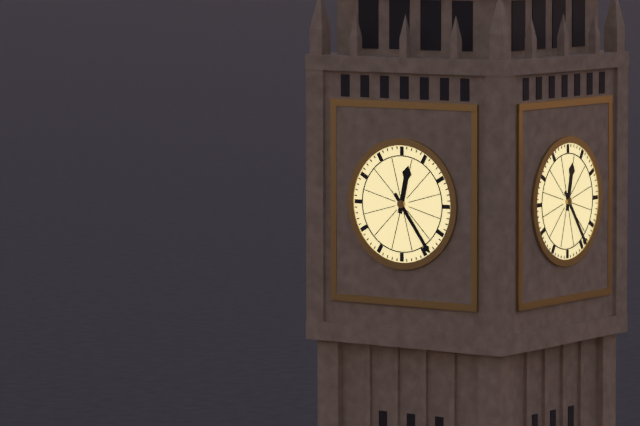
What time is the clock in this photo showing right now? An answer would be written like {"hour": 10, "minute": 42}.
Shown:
{"hour": 12, "minute": 24}
